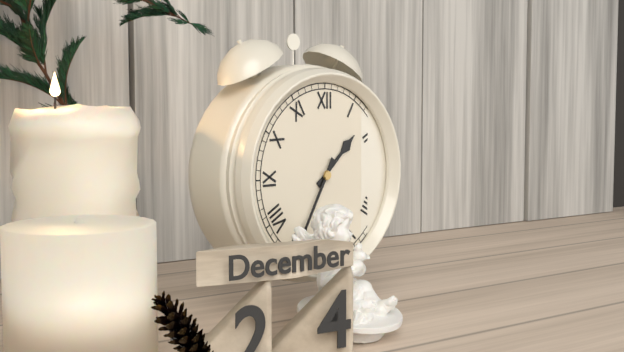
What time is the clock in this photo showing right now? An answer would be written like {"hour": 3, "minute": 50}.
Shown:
{"hour": 1, "minute": 35}
